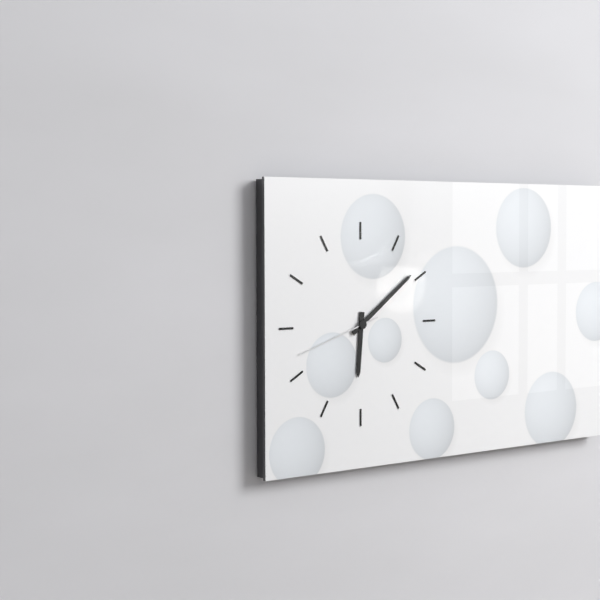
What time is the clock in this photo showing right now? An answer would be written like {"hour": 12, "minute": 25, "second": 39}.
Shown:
{"hour": 6, "minute": 9, "second": 42}
